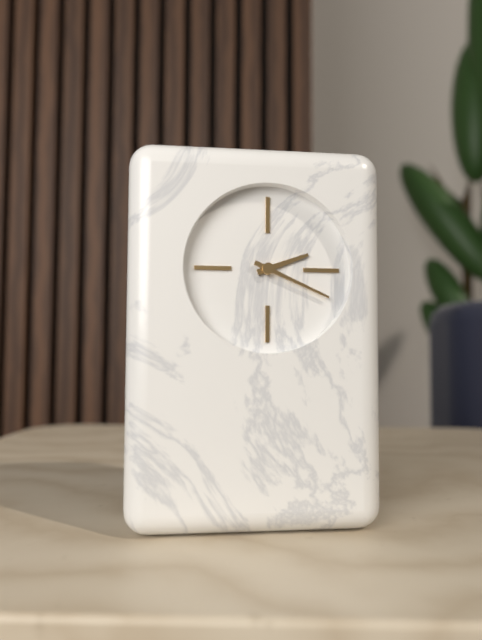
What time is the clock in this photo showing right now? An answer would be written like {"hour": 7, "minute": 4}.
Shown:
{"hour": 2, "minute": 19}
